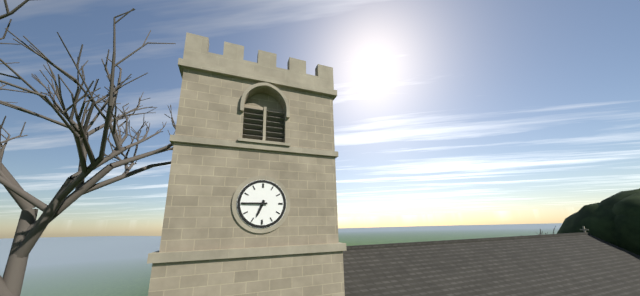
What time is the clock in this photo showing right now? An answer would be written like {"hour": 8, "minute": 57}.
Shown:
{"hour": 6, "minute": 45}
